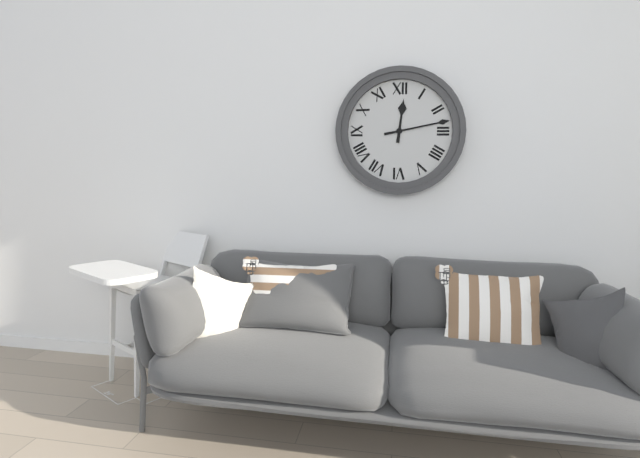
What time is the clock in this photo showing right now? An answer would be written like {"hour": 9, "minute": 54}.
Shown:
{"hour": 12, "minute": 13}
